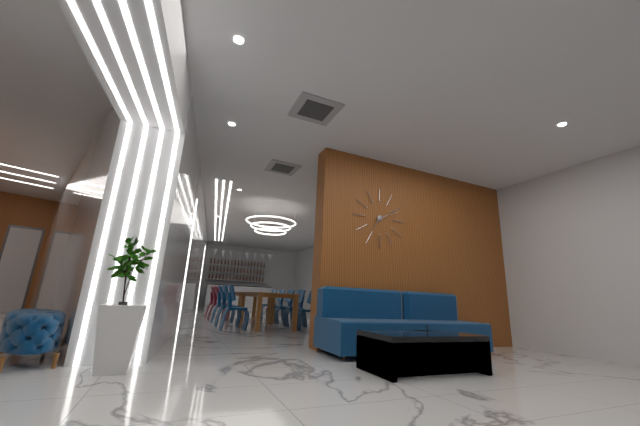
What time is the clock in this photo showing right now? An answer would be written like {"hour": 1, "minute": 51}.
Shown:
{"hour": 7, "minute": 11}
